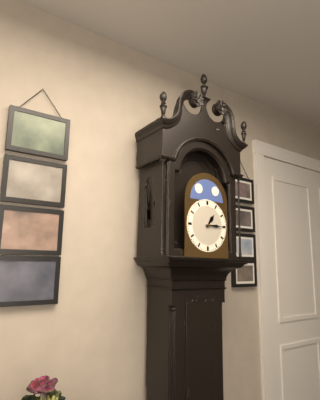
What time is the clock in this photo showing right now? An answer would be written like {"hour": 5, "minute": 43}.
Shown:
{"hour": 1, "minute": 15}
